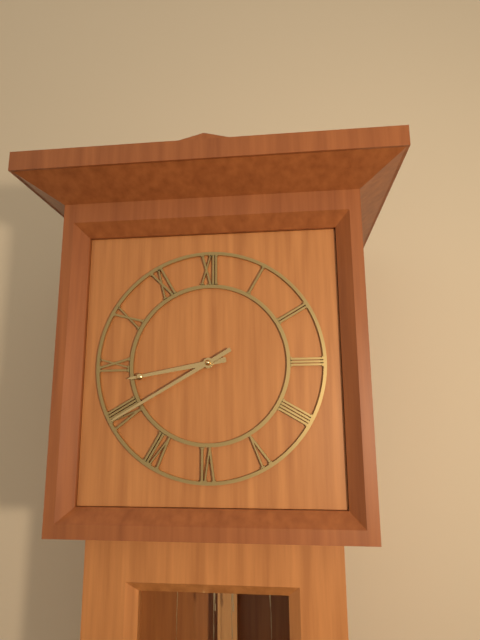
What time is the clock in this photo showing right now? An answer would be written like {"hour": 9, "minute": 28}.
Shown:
{"hour": 8, "minute": 40}
